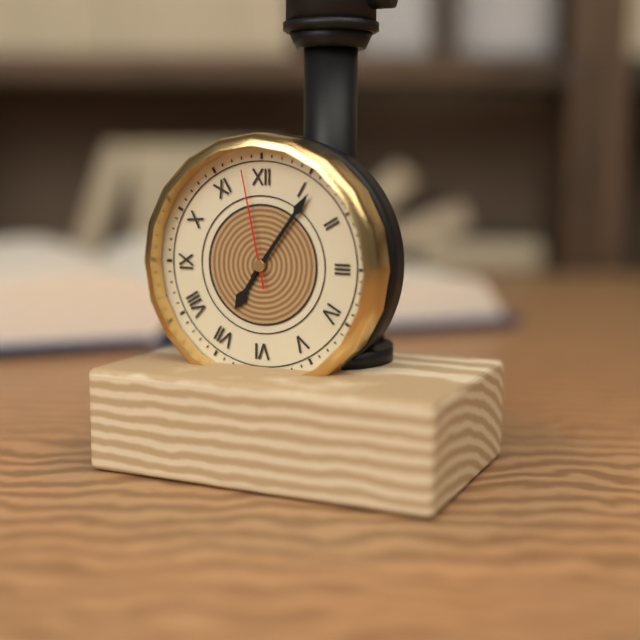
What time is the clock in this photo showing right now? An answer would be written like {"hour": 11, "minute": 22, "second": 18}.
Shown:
{"hour": 7, "minute": 6, "second": 58}
